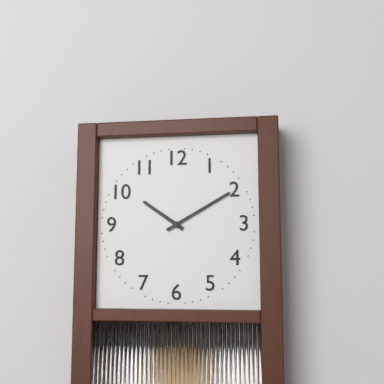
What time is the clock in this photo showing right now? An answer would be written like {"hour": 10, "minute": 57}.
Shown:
{"hour": 10, "minute": 10}
